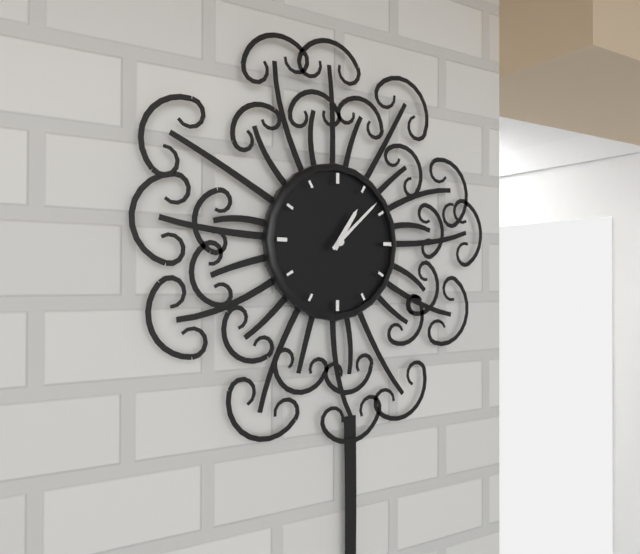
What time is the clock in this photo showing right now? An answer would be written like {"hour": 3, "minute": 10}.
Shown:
{"hour": 1, "minute": 8}
